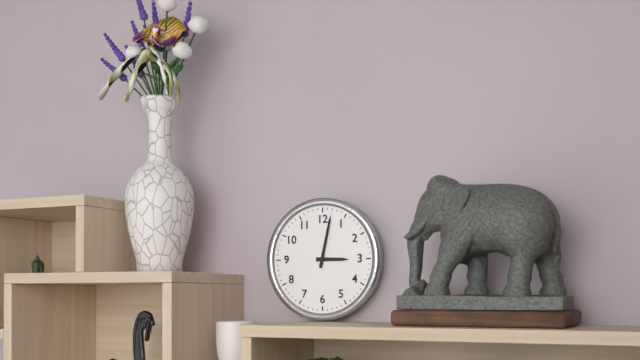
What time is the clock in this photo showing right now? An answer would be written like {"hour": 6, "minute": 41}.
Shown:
{"hour": 3, "minute": 2}
